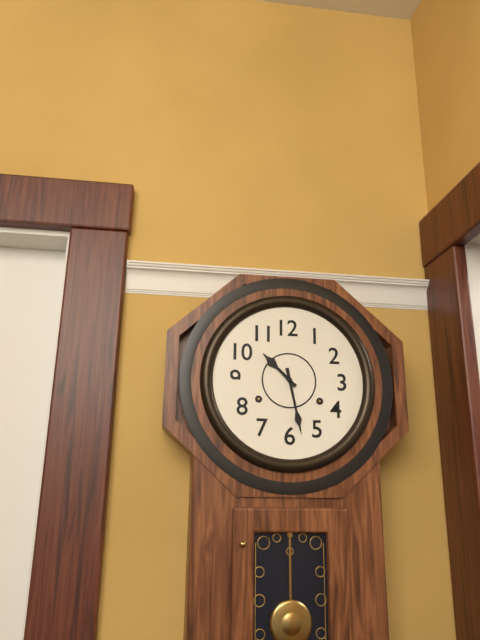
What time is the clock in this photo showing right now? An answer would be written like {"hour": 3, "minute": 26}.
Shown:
{"hour": 10, "minute": 28}
